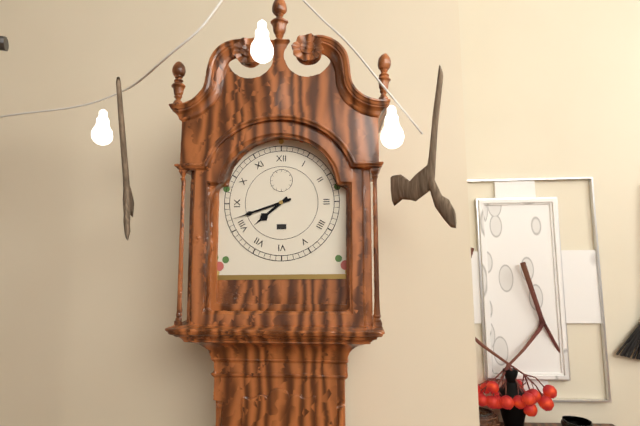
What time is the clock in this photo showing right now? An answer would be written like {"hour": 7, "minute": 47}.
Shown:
{"hour": 7, "minute": 42}
